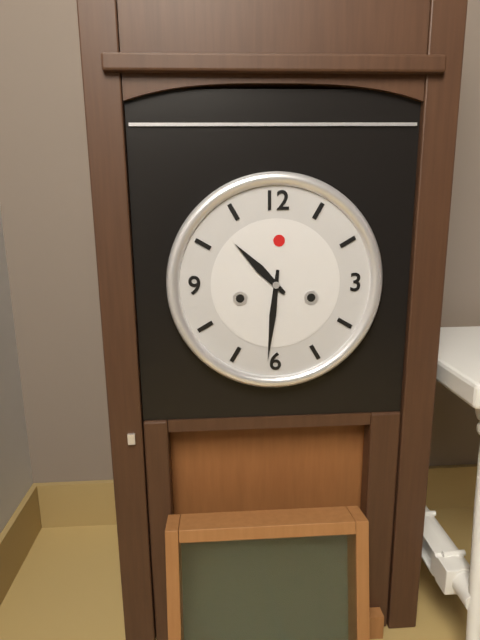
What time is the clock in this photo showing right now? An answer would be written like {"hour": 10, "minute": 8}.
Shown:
{"hour": 10, "minute": 31}
